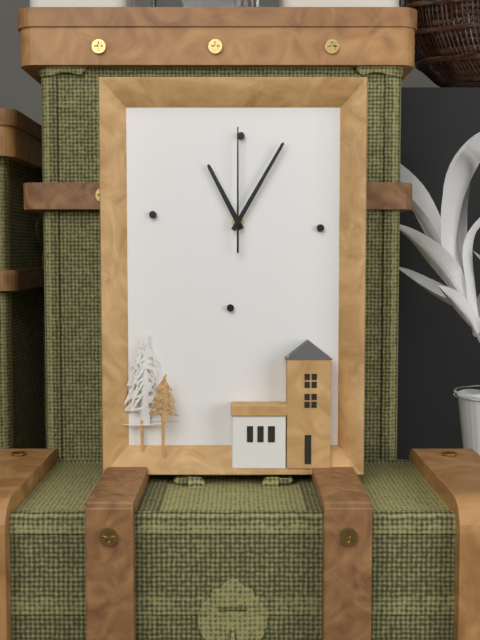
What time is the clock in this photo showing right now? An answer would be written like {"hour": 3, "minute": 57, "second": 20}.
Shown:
{"hour": 11, "minute": 5, "second": 0}
